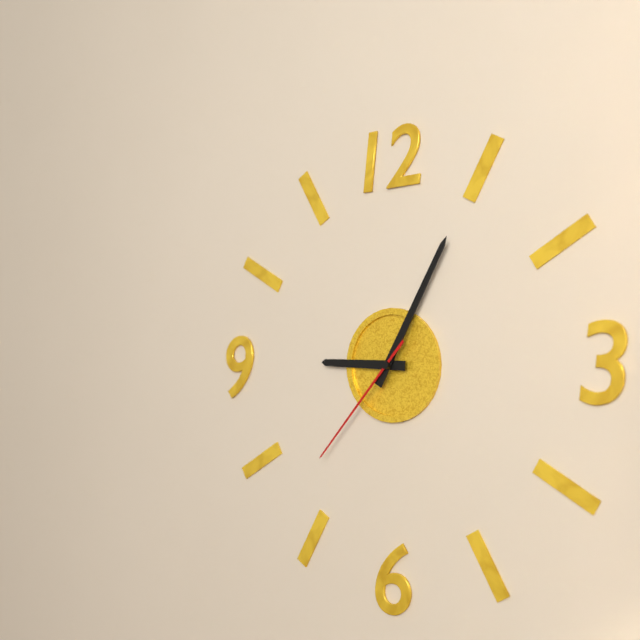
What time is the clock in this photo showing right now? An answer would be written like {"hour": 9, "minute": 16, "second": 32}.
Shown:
{"hour": 9, "minute": 5, "second": 37}
